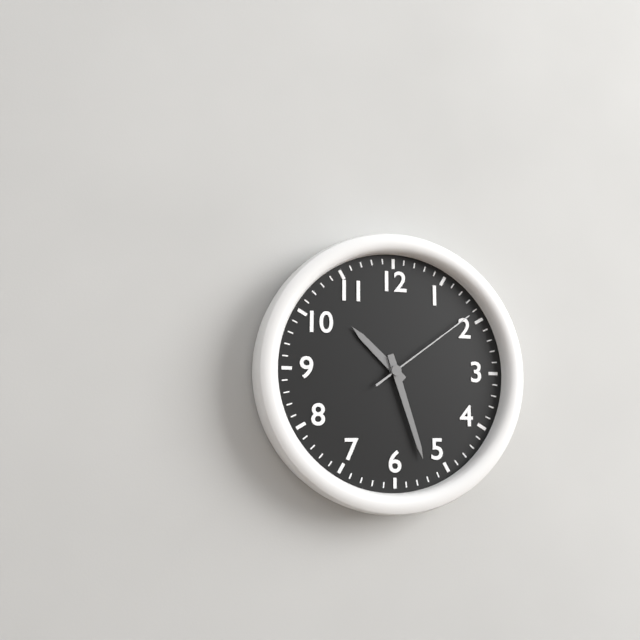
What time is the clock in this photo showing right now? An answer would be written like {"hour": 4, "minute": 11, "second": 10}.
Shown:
{"hour": 10, "minute": 27, "second": 9}
